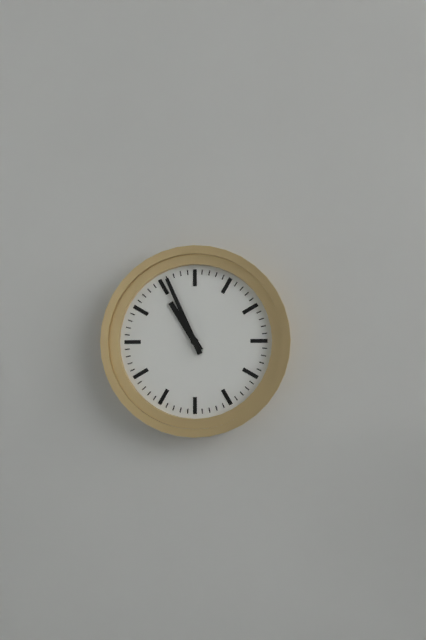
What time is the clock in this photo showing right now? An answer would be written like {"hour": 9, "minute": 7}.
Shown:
{"hour": 10, "minute": 56}
